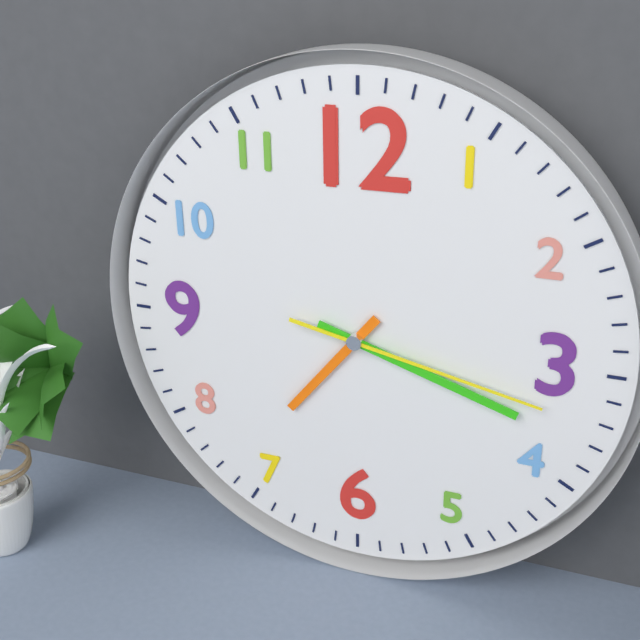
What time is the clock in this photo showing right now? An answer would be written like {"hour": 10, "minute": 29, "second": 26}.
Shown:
{"hour": 7, "minute": 18, "second": 17}
